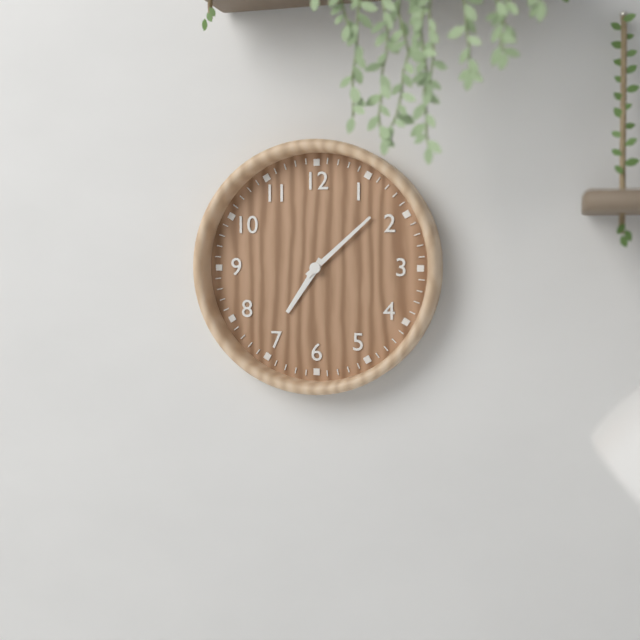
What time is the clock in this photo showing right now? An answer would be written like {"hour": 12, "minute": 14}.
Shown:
{"hour": 7, "minute": 8}
